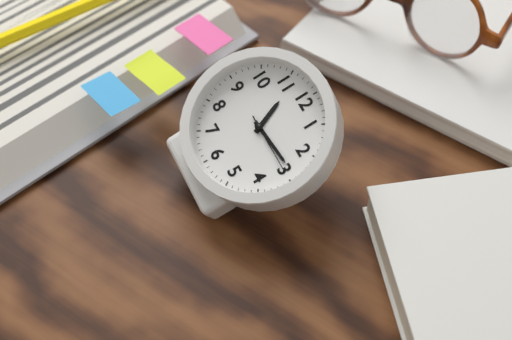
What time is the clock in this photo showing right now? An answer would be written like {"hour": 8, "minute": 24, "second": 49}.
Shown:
{"hour": 11, "minute": 14, "second": 15}
